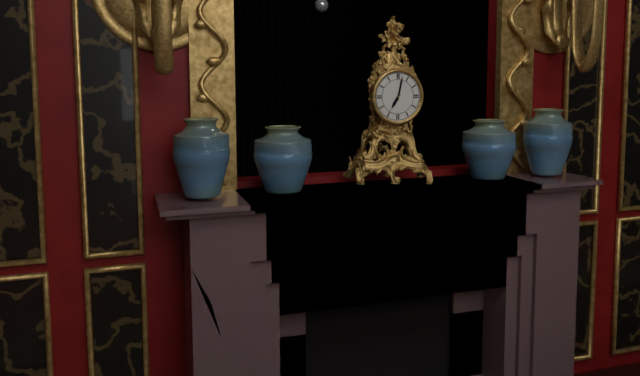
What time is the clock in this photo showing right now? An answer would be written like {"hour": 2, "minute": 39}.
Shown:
{"hour": 7, "minute": 2}
